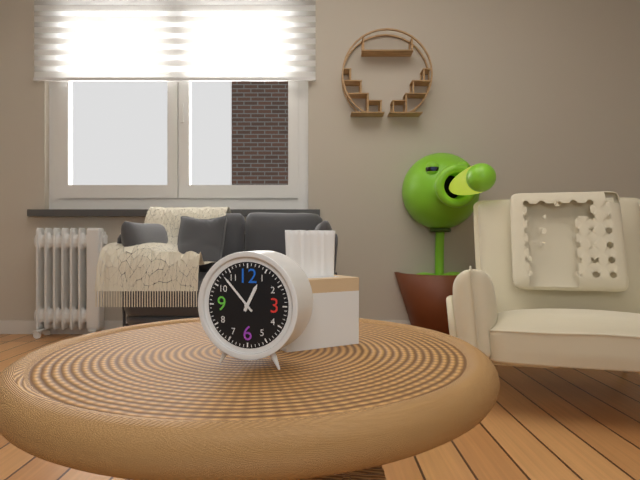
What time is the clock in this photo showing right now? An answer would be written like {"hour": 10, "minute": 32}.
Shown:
{"hour": 12, "minute": 53}
